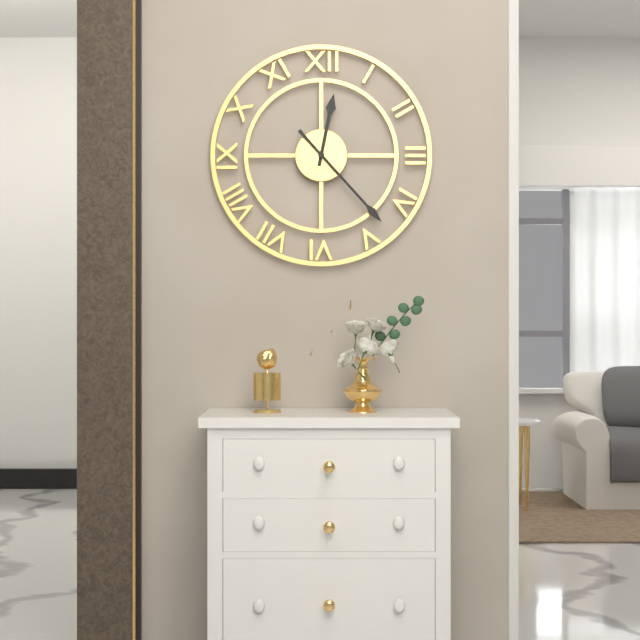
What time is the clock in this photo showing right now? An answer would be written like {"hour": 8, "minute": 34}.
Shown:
{"hour": 12, "minute": 23}
